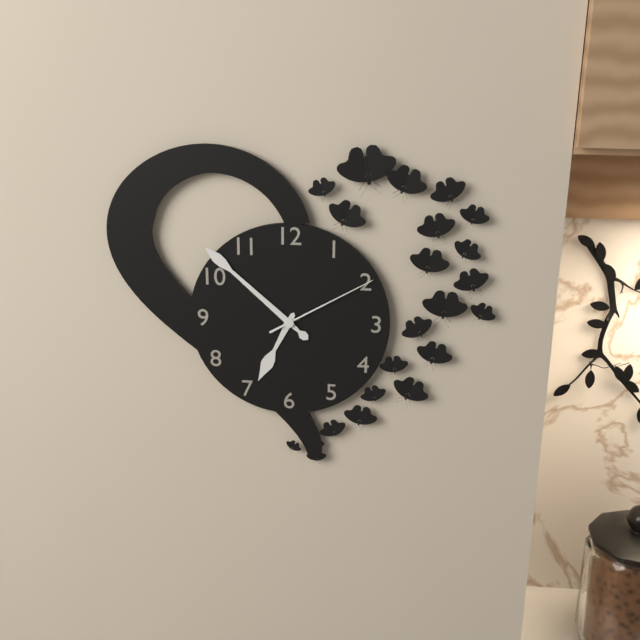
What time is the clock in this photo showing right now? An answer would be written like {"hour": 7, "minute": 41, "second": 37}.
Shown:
{"hour": 6, "minute": 52, "second": 10}
